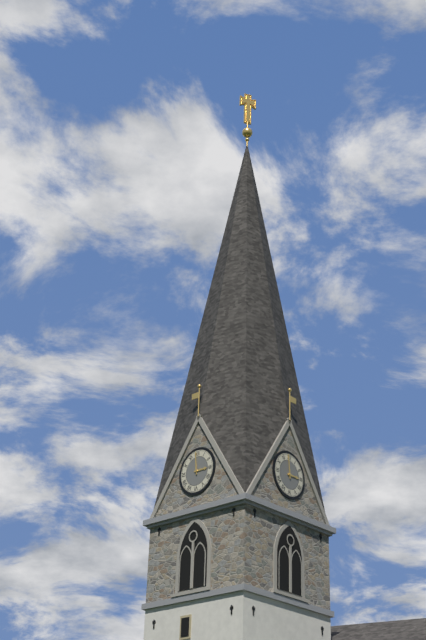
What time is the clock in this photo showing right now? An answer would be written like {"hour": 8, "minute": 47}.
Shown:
{"hour": 2, "minute": 59}
